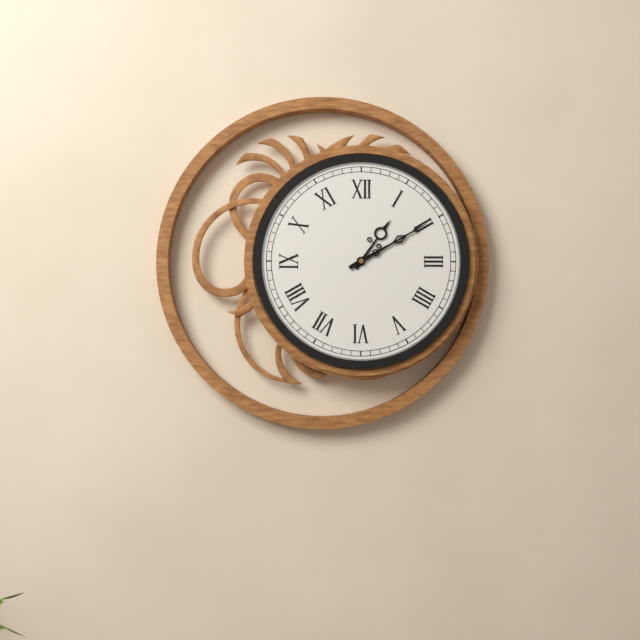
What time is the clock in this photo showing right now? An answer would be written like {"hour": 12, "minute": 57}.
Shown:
{"hour": 1, "minute": 10}
